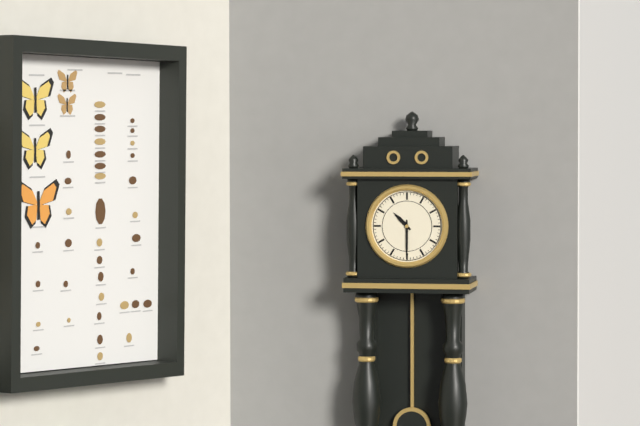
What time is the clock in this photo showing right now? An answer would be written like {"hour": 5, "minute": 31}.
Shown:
{"hour": 10, "minute": 30}
